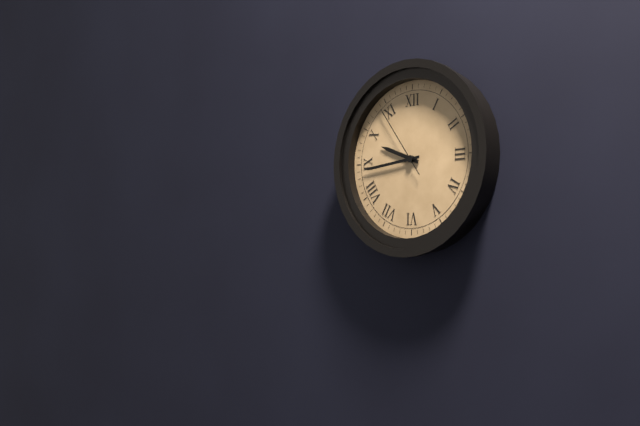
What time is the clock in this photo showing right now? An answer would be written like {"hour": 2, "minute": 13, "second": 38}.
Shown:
{"hour": 9, "minute": 44, "second": 54}
